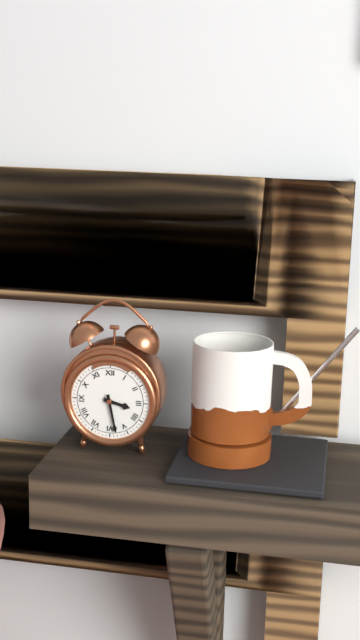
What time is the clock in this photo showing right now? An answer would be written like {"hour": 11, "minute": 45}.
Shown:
{"hour": 3, "minute": 28}
